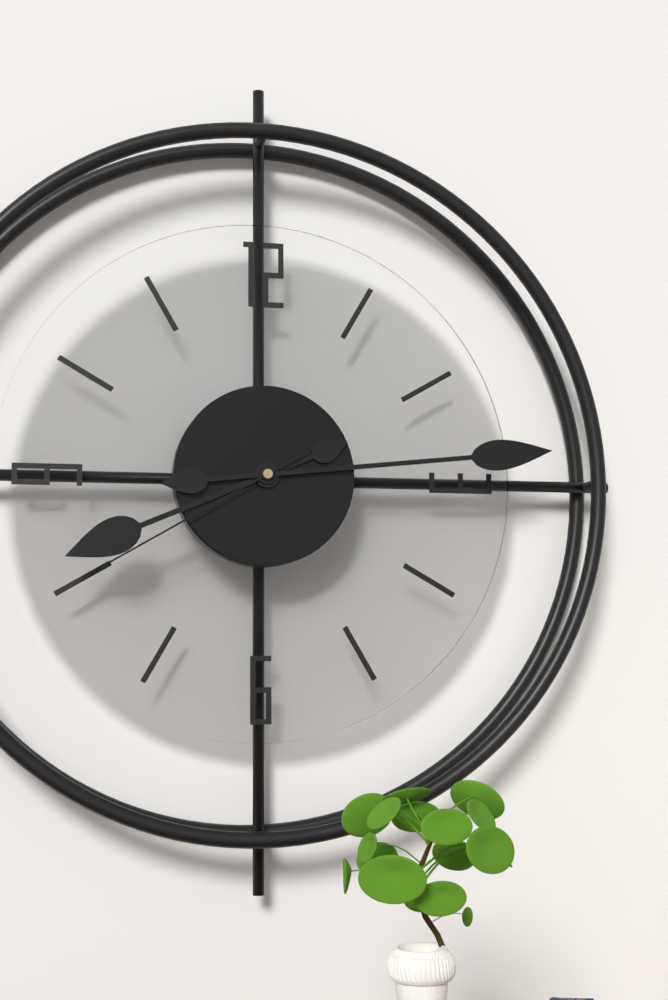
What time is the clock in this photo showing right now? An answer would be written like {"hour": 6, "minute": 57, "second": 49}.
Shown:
{"hour": 8, "minute": 14, "second": 40}
